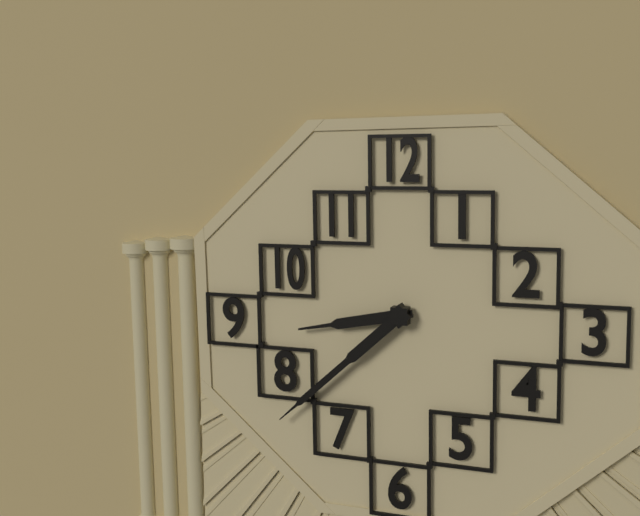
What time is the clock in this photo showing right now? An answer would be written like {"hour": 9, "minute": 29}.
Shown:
{"hour": 8, "minute": 38}
